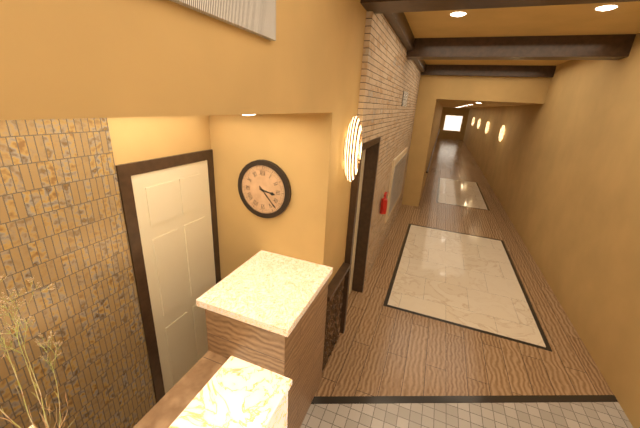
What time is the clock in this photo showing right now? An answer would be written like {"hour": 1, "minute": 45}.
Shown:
{"hour": 3, "minute": 23}
